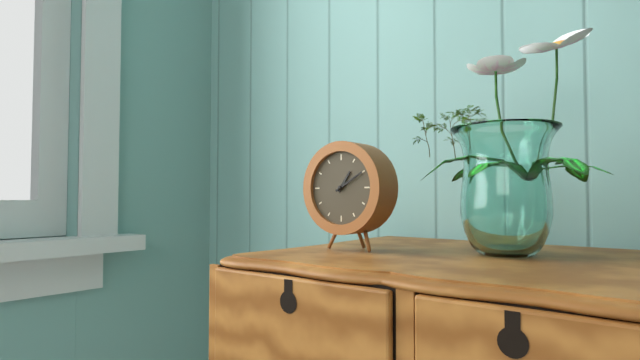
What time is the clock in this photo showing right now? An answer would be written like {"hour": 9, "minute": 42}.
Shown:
{"hour": 1, "minute": 10}
